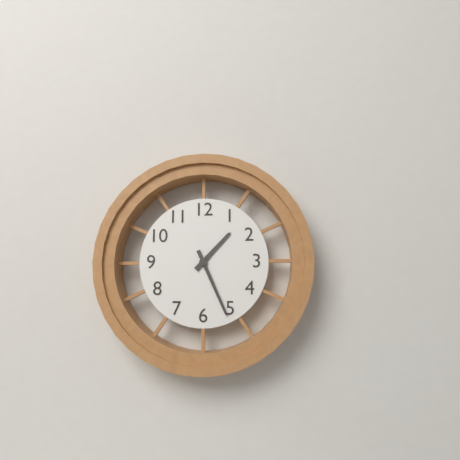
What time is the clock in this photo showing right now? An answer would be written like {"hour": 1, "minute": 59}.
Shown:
{"hour": 1, "minute": 26}
